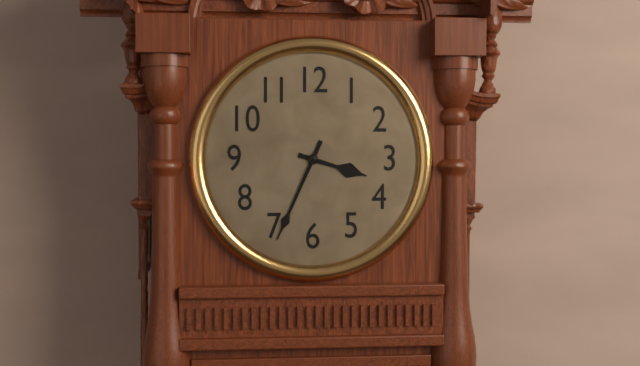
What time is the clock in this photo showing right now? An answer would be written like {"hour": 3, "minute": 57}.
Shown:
{"hour": 3, "minute": 34}
